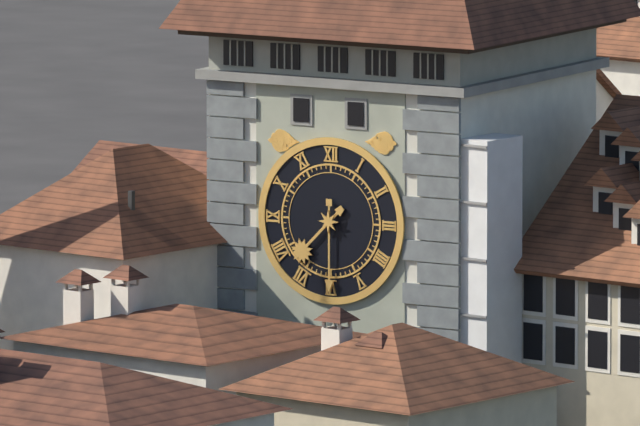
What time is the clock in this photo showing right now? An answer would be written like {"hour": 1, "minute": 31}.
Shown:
{"hour": 7, "minute": 30}
